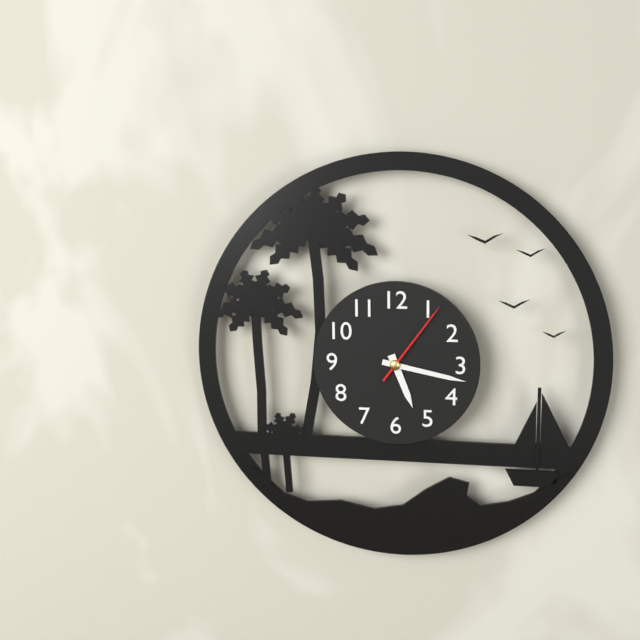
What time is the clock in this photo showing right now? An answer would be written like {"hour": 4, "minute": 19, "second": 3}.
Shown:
{"hour": 5, "minute": 17, "second": 6}
